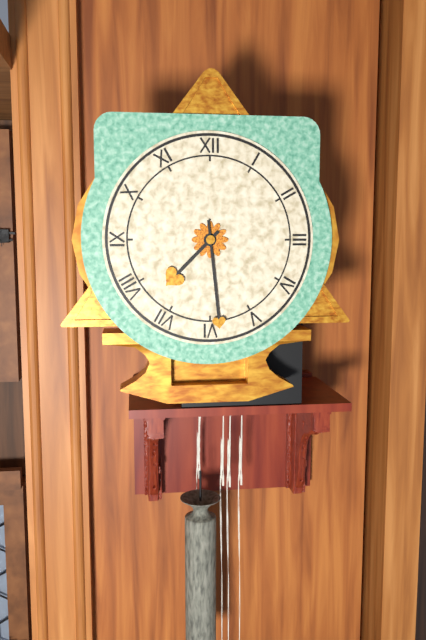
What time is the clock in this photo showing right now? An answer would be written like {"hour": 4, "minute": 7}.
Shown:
{"hour": 7, "minute": 29}
